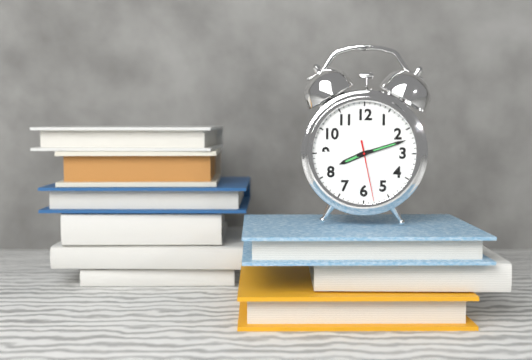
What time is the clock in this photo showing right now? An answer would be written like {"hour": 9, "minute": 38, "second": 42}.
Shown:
{"hour": 8, "minute": 12, "second": 28}
